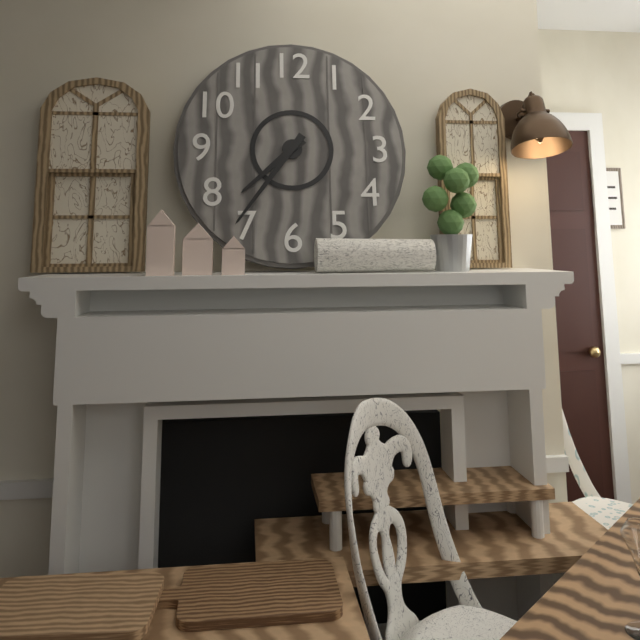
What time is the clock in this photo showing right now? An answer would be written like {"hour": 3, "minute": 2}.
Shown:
{"hour": 7, "minute": 36}
